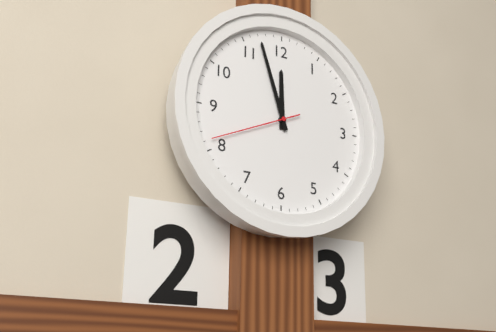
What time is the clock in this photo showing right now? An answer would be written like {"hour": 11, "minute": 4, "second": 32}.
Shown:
{"hour": 11, "minute": 57, "second": 41}
